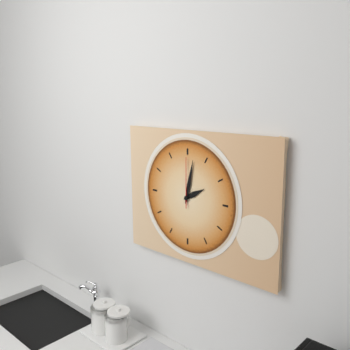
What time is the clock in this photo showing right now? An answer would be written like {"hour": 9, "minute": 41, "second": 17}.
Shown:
{"hour": 2, "minute": 2, "second": 0}
